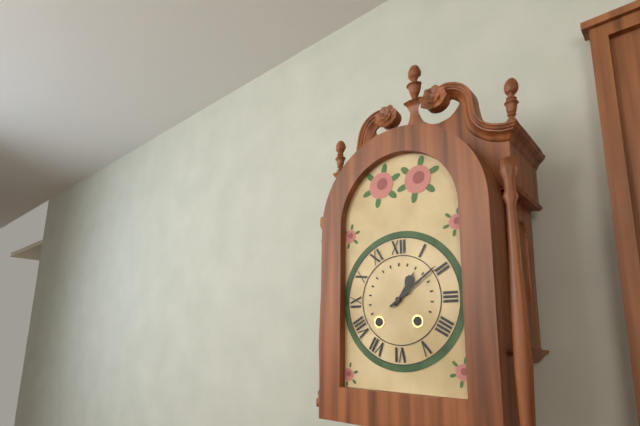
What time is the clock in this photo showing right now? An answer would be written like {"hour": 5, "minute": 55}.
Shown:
{"hour": 1, "minute": 9}
